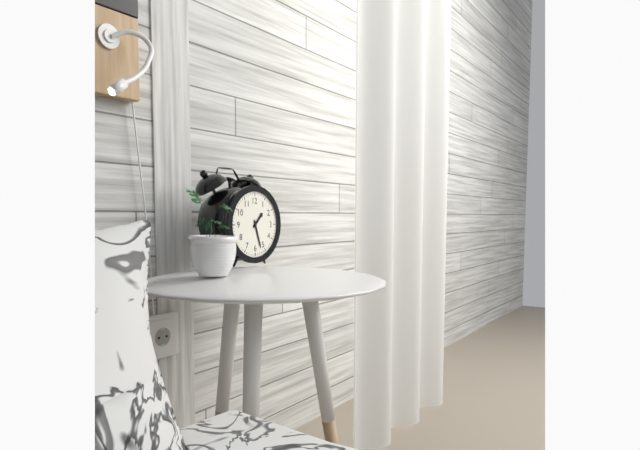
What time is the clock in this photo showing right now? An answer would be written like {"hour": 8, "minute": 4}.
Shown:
{"hour": 1, "minute": 27}
